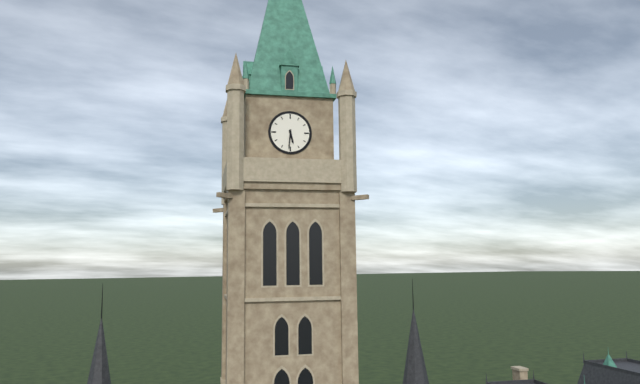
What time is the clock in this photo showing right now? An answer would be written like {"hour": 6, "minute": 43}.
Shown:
{"hour": 5, "minute": 31}
